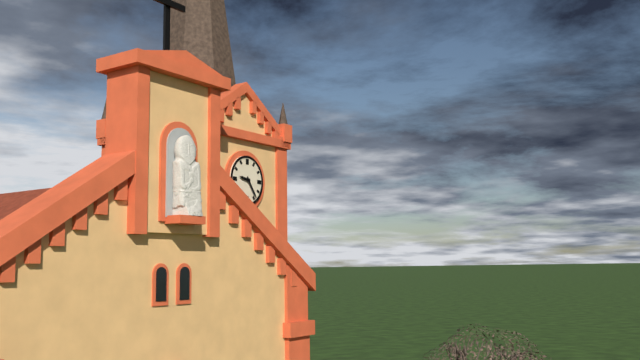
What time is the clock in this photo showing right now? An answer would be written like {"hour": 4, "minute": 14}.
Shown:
{"hour": 9, "minute": 24}
